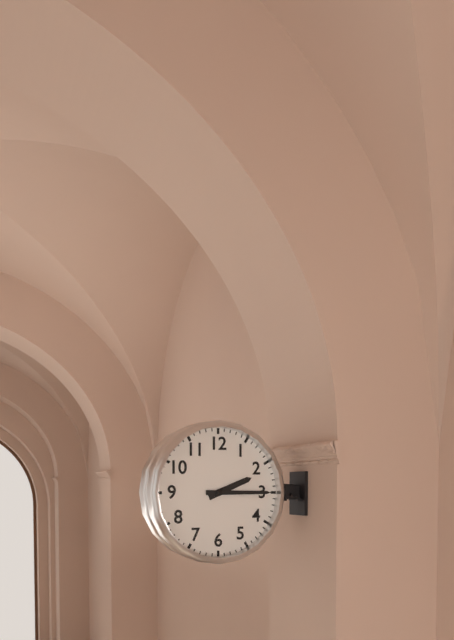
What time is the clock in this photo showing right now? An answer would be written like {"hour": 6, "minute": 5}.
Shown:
{"hour": 2, "minute": 15}
